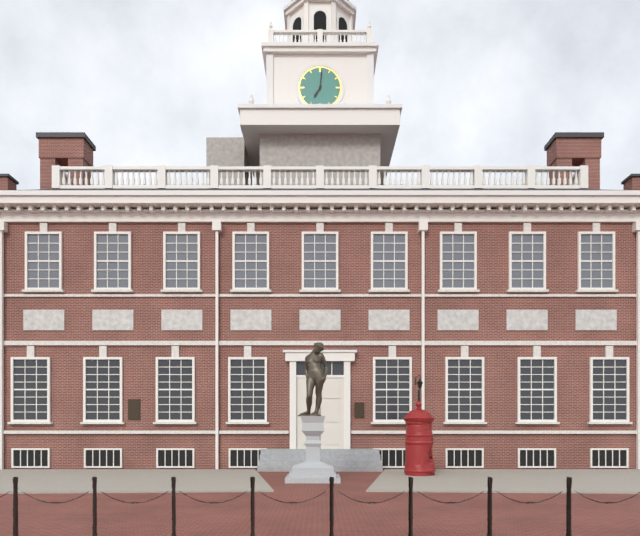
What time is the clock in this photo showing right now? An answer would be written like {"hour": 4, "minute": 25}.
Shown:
{"hour": 7, "minute": 1}
